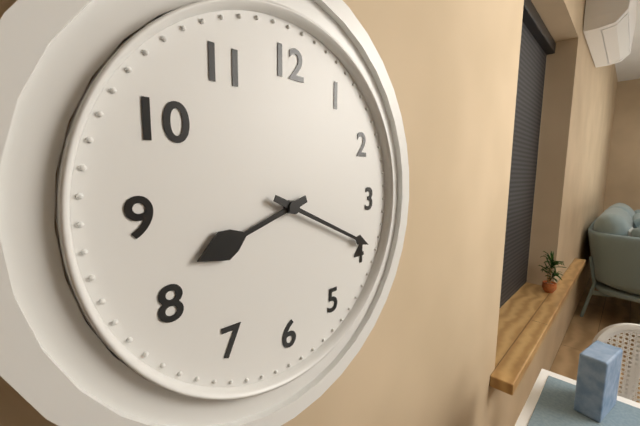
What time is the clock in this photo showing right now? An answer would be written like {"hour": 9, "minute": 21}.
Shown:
{"hour": 8, "minute": 19}
